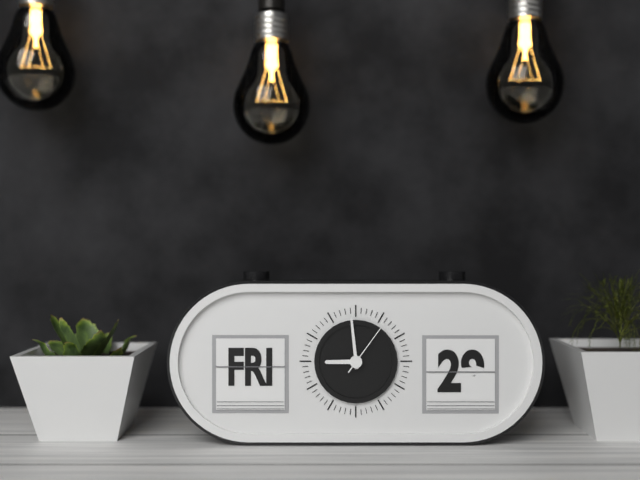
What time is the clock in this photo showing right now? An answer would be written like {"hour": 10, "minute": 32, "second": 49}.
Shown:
{"hour": 8, "minute": 59, "second": 6}
